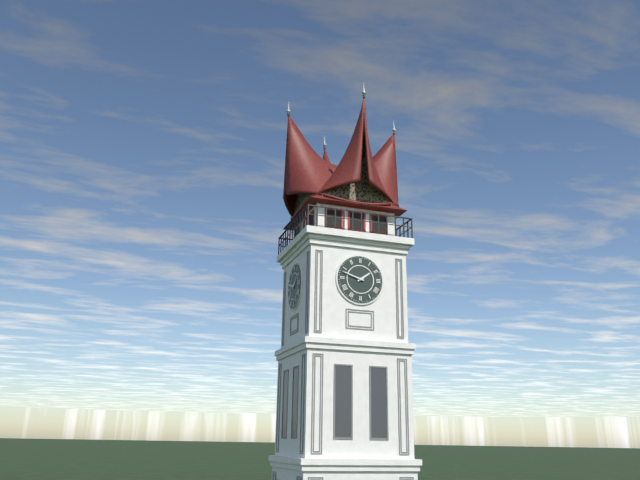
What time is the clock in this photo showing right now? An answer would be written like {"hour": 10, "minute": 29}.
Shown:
{"hour": 1, "minute": 48}
